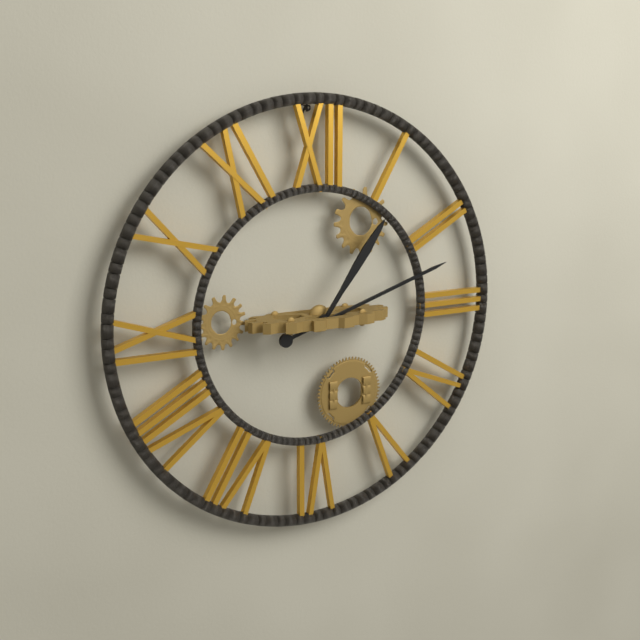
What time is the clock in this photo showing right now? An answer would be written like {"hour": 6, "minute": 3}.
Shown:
{"hour": 1, "minute": 12}
